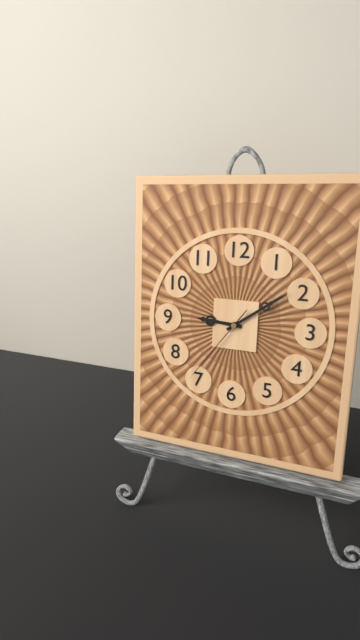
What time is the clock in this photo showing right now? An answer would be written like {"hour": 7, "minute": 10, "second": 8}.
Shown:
{"hour": 9, "minute": 9, "second": 36}
